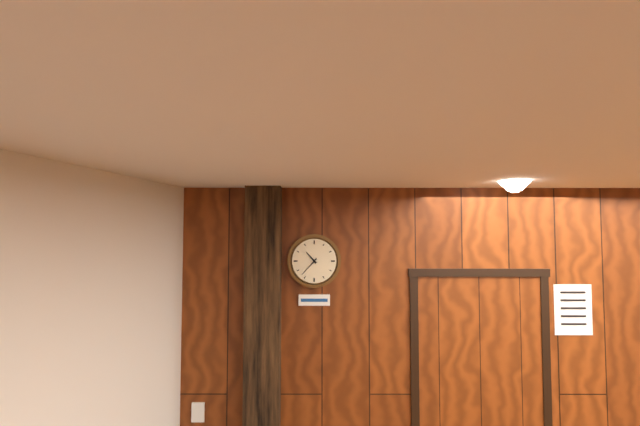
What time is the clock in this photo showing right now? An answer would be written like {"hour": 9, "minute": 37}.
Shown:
{"hour": 10, "minute": 37}
